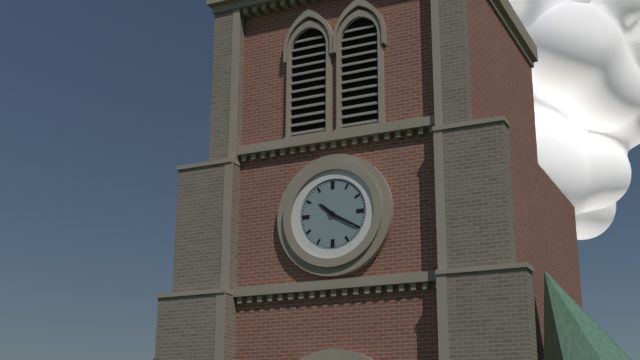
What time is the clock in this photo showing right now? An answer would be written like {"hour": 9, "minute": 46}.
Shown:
{"hour": 10, "minute": 20}
